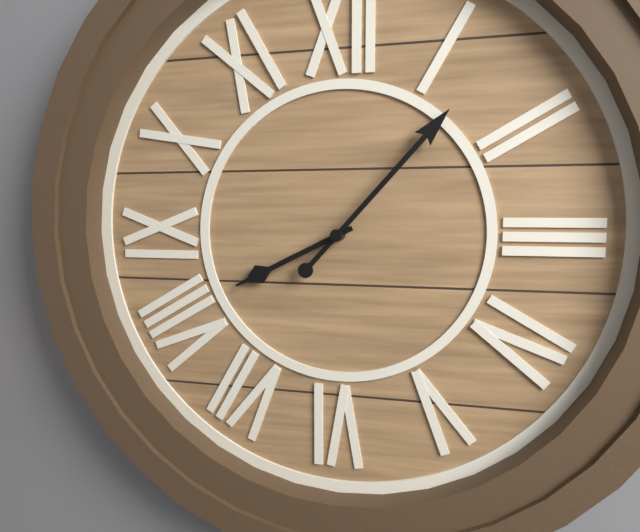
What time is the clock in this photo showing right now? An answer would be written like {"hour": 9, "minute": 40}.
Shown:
{"hour": 8, "minute": 7}
